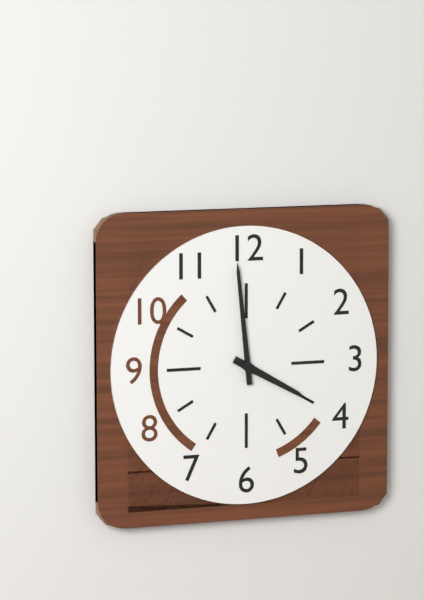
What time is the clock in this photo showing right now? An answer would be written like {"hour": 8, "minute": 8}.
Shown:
{"hour": 3, "minute": 59}
